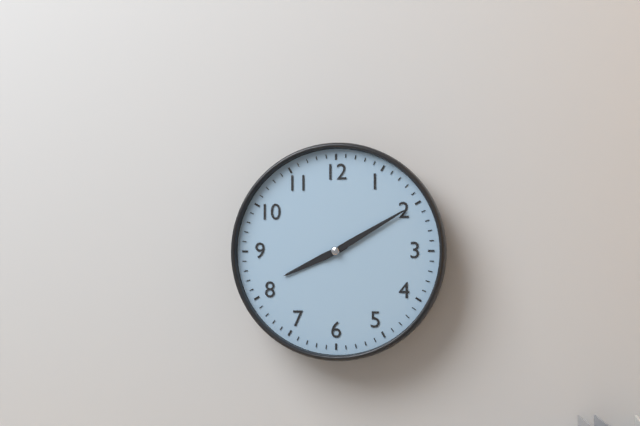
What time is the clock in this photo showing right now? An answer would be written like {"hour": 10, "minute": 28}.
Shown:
{"hour": 8, "minute": 10}
